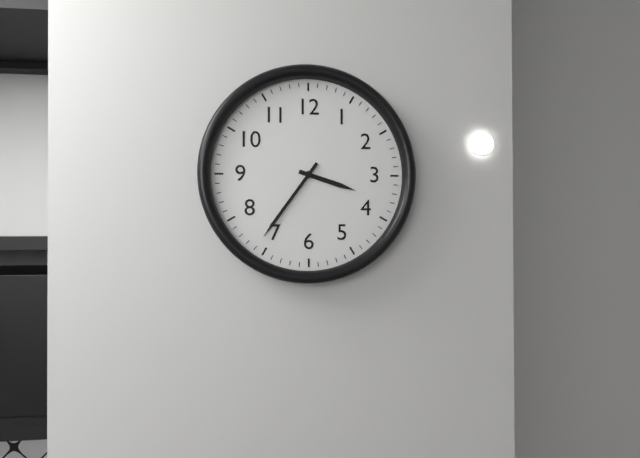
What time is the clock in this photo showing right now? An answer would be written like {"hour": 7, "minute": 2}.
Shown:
{"hour": 3, "minute": 36}
